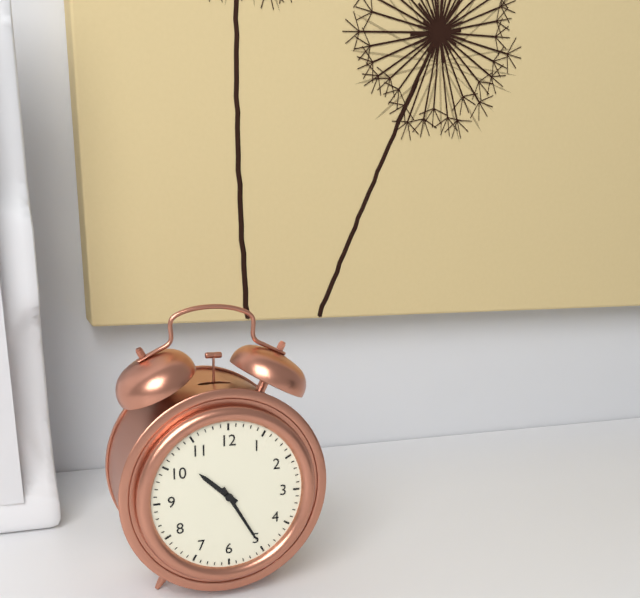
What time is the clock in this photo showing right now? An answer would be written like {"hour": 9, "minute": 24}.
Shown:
{"hour": 10, "minute": 25}
